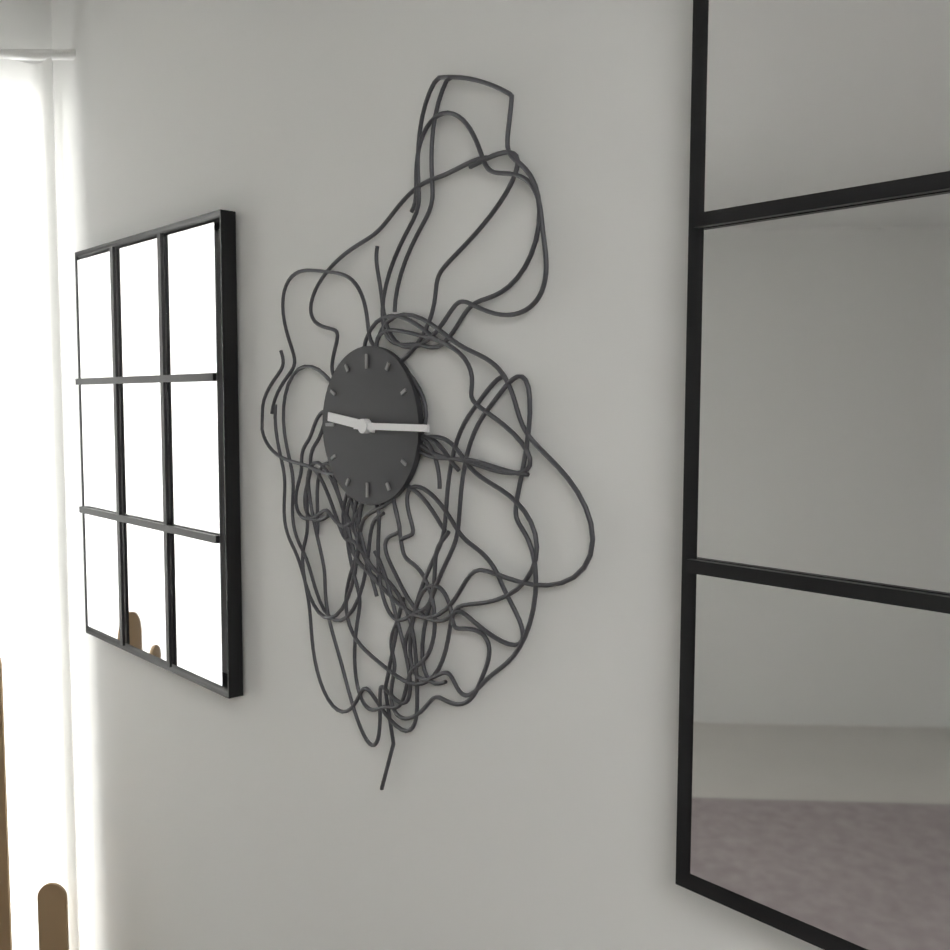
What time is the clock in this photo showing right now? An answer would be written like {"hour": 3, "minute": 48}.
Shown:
{"hour": 9, "minute": 15}
